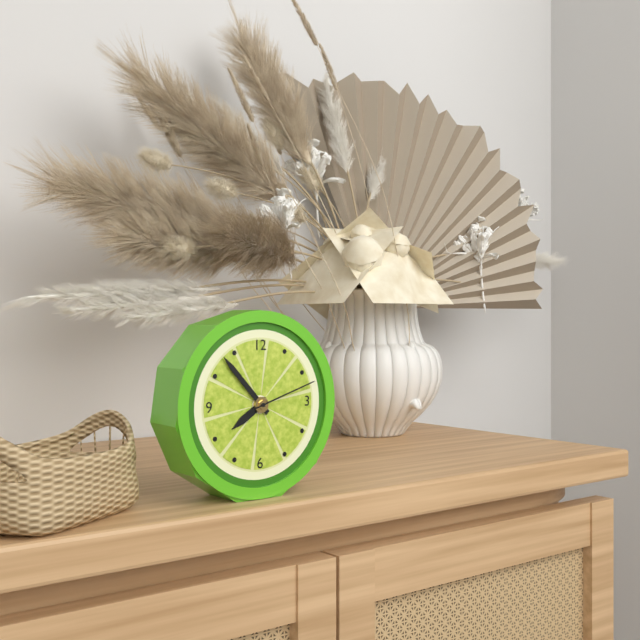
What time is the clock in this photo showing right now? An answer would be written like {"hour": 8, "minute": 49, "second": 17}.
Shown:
{"hour": 7, "minute": 53, "second": 12}
